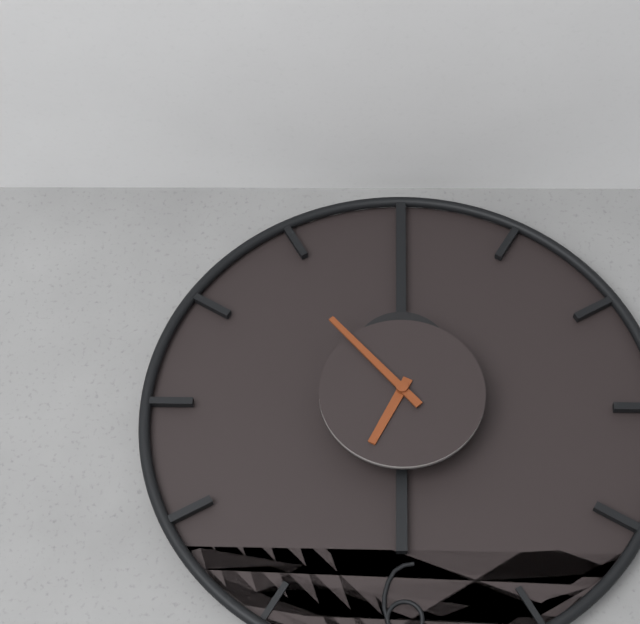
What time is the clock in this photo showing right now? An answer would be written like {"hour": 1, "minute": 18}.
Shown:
{"hour": 6, "minute": 53}
